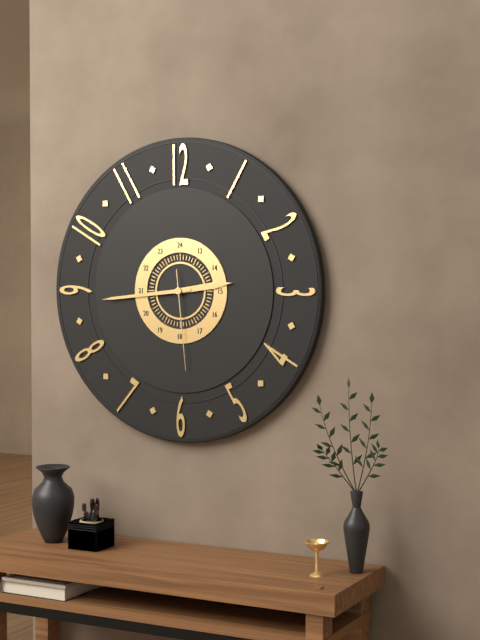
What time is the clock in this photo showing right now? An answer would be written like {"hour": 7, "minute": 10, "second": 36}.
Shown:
{"hour": 2, "minute": 44, "second": 29}
